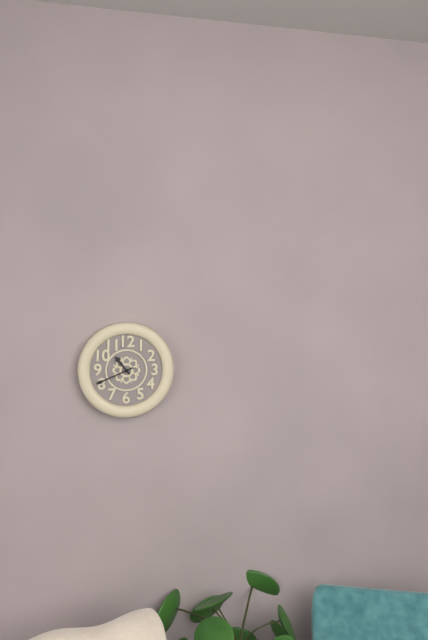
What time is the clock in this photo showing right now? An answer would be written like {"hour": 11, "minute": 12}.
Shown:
{"hour": 10, "minute": 41}
